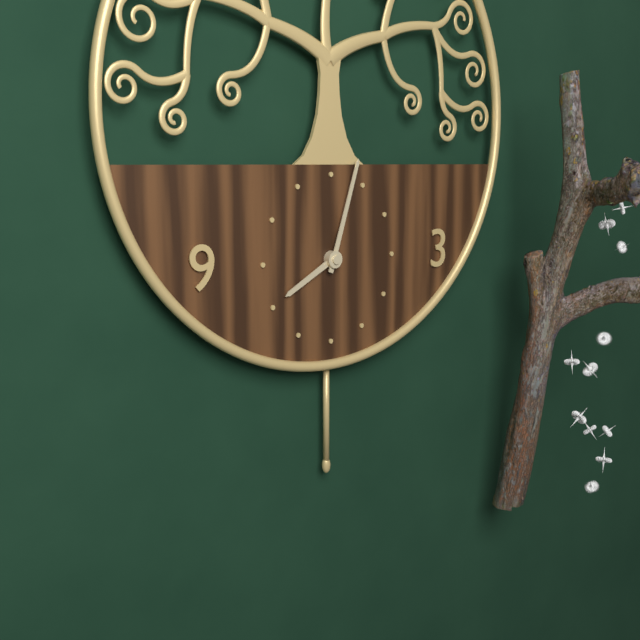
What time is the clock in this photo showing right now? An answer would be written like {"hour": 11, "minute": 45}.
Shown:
{"hour": 8, "minute": 3}
